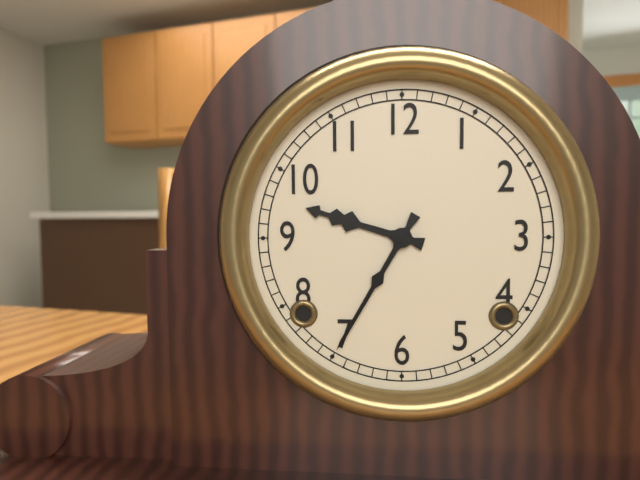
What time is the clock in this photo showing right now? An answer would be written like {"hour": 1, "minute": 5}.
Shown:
{"hour": 9, "minute": 35}
